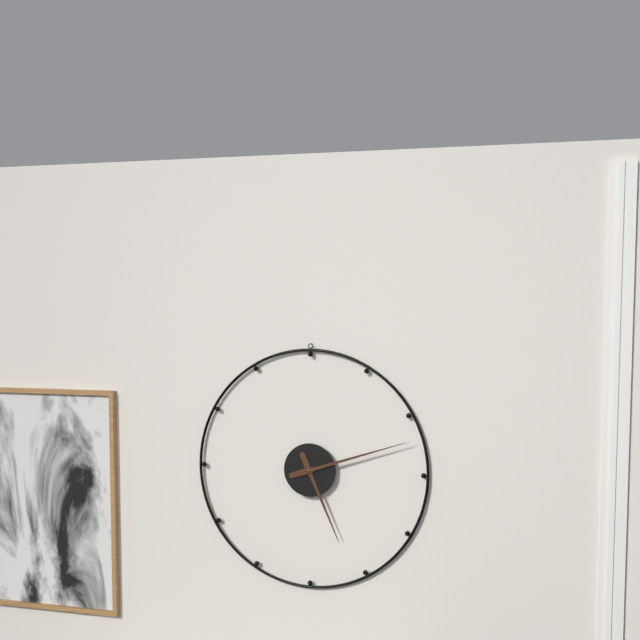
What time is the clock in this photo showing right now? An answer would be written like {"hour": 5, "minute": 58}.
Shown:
{"hour": 5, "minute": 12}
